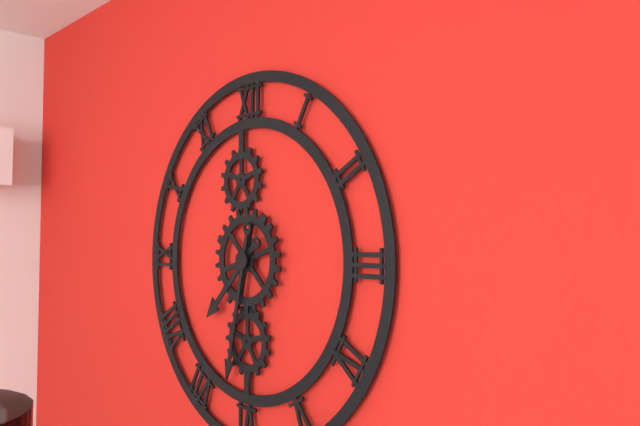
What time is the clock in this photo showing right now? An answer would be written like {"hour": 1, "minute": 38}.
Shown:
{"hour": 7, "minute": 32}
